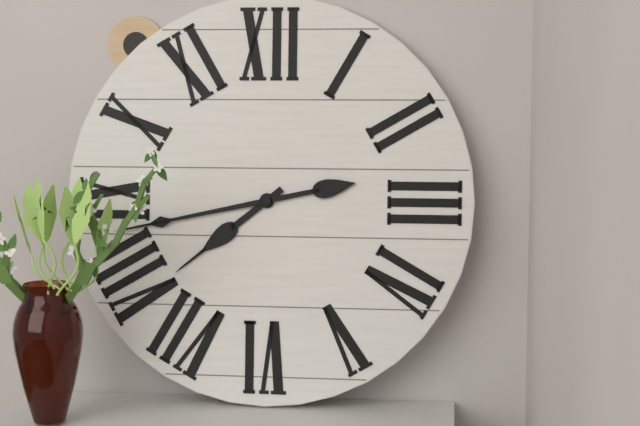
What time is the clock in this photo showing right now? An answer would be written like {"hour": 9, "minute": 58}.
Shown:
{"hour": 7, "minute": 43}
